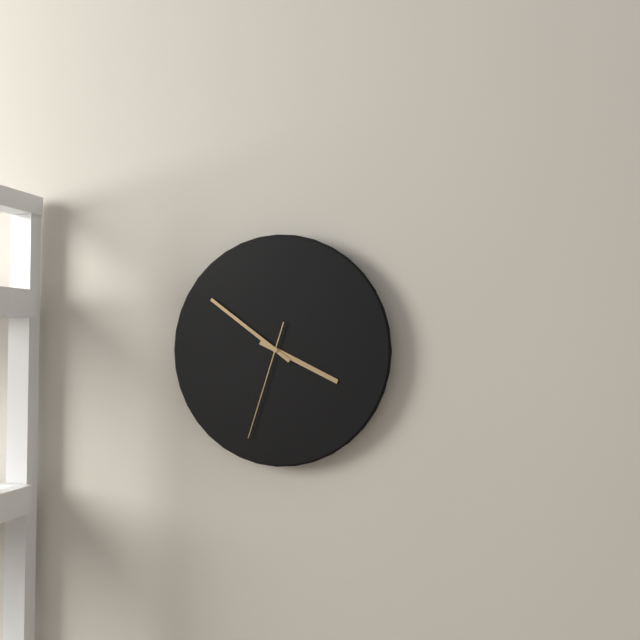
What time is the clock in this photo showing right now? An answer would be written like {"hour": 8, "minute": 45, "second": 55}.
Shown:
{"hour": 3, "minute": 51, "second": 33}
